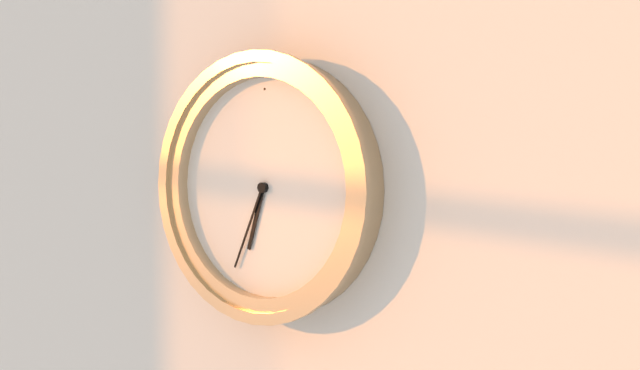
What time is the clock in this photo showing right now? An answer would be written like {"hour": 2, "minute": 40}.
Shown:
{"hour": 6, "minute": 34}
